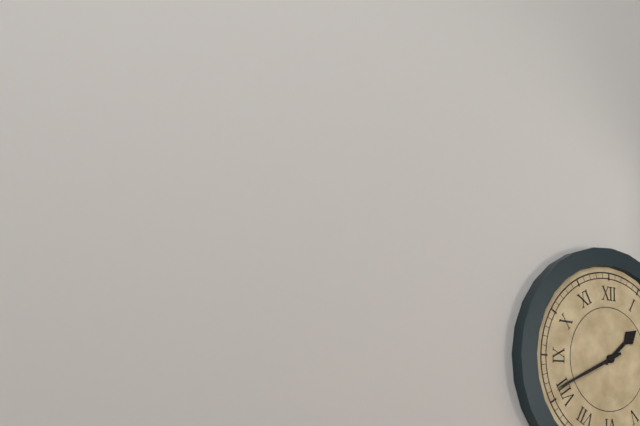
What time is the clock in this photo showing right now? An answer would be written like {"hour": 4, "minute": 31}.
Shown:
{"hour": 1, "minute": 41}
